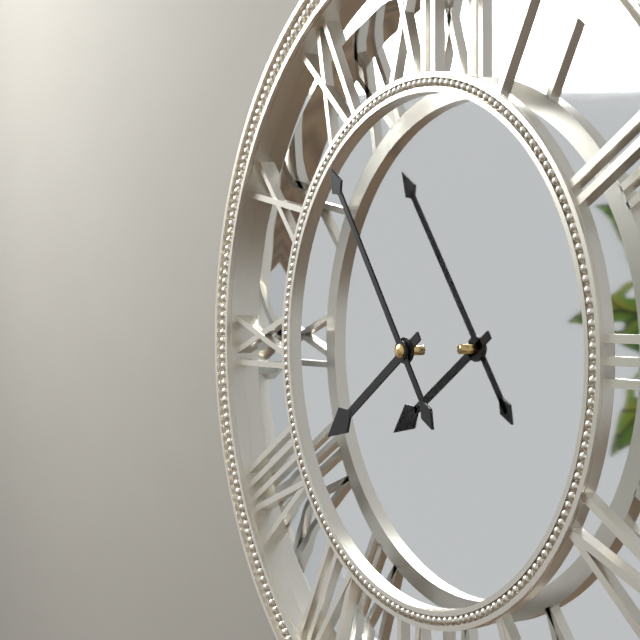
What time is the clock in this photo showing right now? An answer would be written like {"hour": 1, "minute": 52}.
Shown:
{"hour": 7, "minute": 54}
